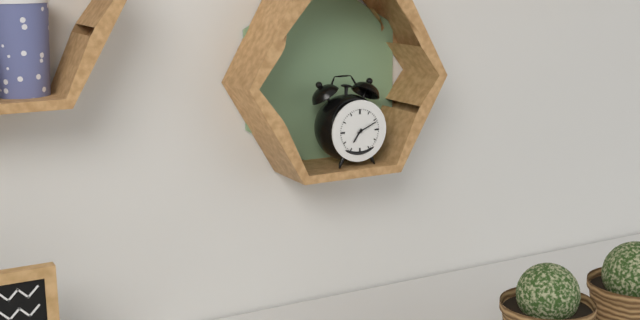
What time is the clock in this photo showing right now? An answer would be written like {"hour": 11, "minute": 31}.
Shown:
{"hour": 7, "minute": 11}
